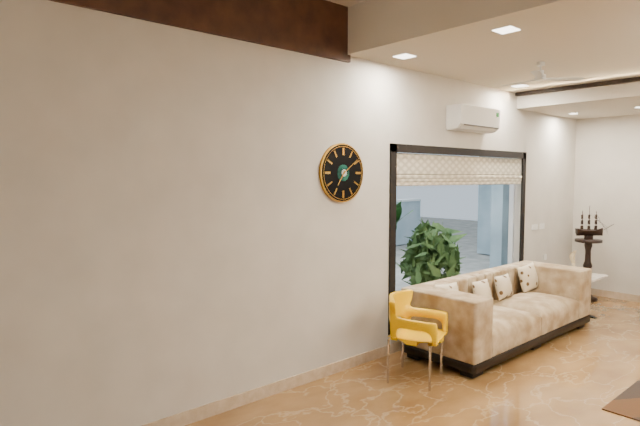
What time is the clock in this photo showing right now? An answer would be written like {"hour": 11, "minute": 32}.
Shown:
{"hour": 7, "minute": 9}
